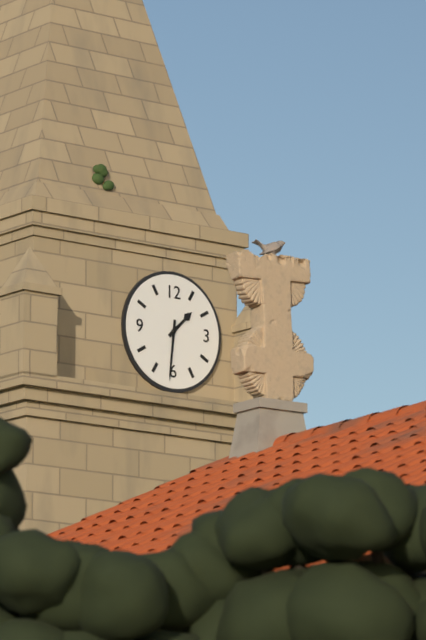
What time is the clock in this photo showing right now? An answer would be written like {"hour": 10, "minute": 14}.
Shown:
{"hour": 1, "minute": 31}
